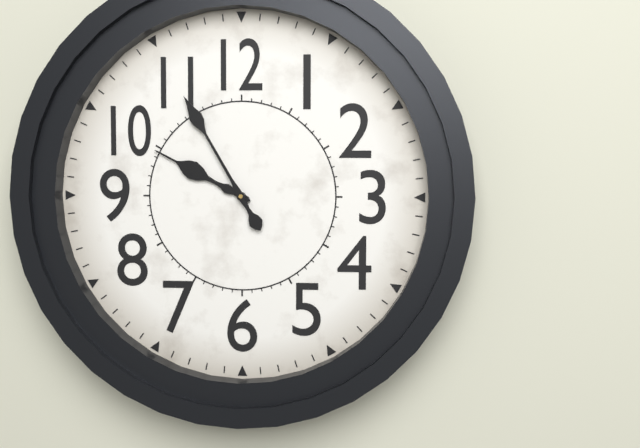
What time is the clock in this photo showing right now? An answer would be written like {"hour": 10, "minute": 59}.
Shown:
{"hour": 9, "minute": 55}
